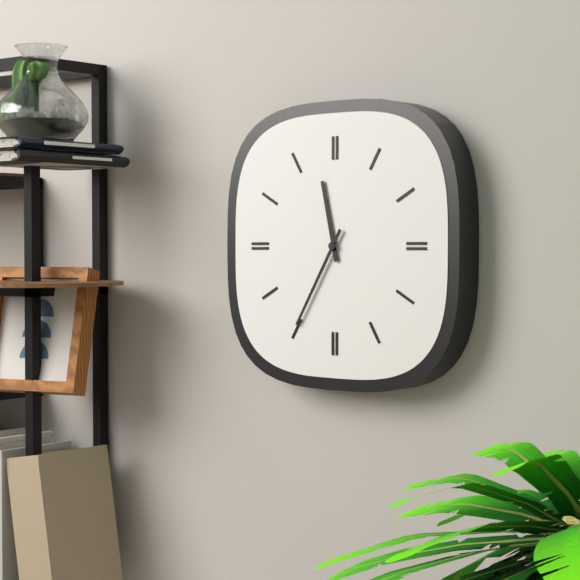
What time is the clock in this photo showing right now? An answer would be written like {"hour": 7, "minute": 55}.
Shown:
{"hour": 11, "minute": 35}
